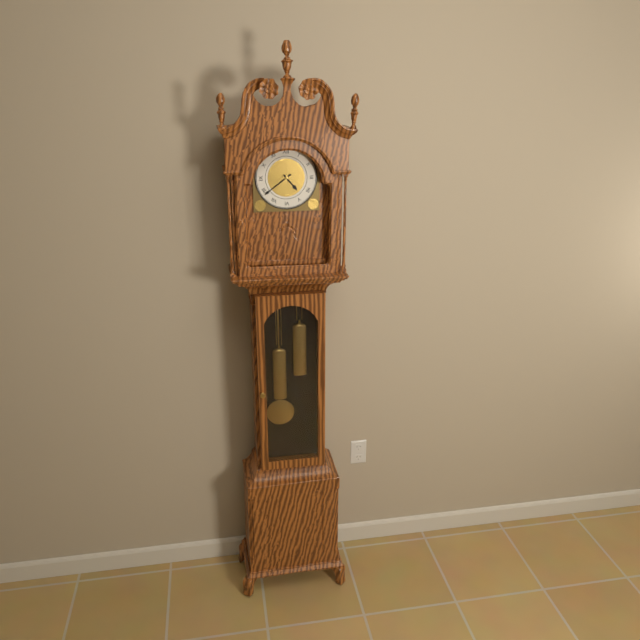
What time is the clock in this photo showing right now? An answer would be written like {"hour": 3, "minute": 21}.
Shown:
{"hour": 4, "minute": 39}
